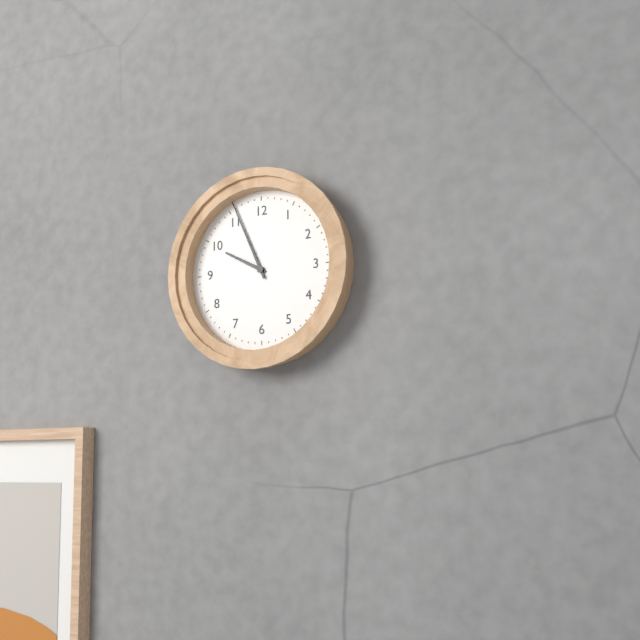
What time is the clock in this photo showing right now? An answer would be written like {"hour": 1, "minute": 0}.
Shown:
{"hour": 9, "minute": 56}
